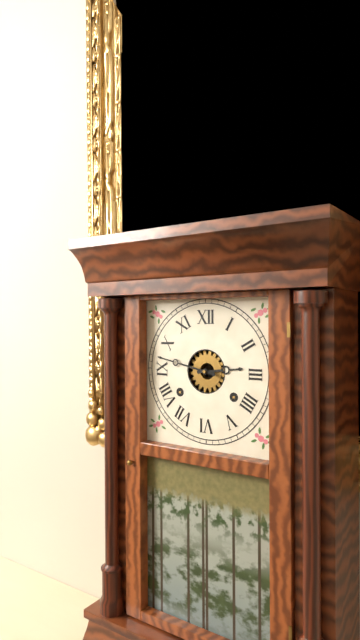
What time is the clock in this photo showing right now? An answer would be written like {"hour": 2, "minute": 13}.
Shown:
{"hour": 2, "minute": 47}
